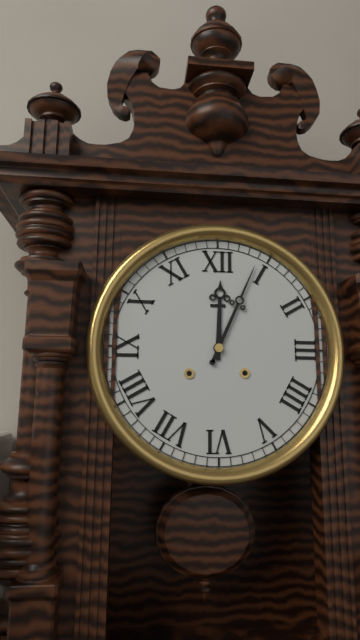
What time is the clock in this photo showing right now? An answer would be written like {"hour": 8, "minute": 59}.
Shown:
{"hour": 12, "minute": 4}
